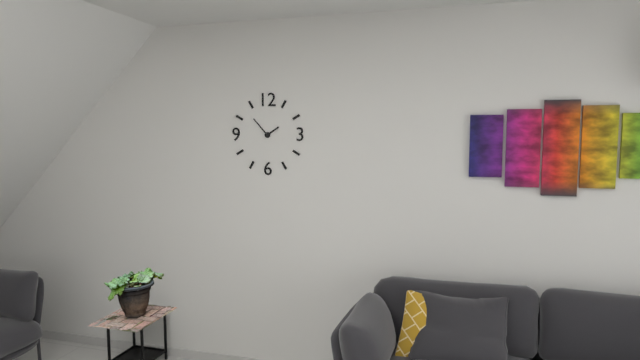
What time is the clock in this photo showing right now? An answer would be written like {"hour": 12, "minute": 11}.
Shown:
{"hour": 1, "minute": 53}
